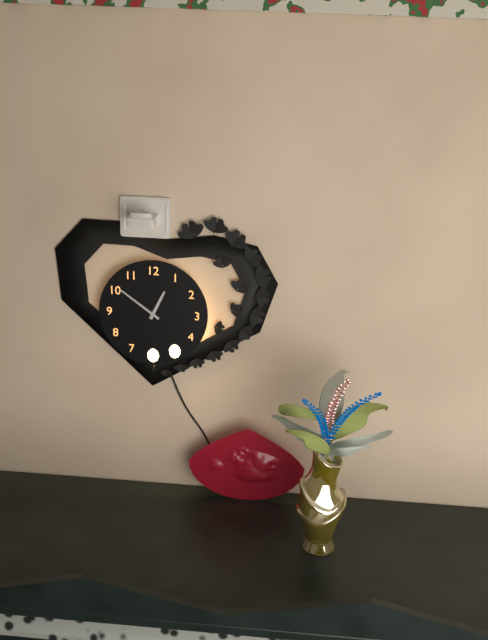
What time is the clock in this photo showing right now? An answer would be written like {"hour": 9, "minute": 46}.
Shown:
{"hour": 12, "minute": 51}
